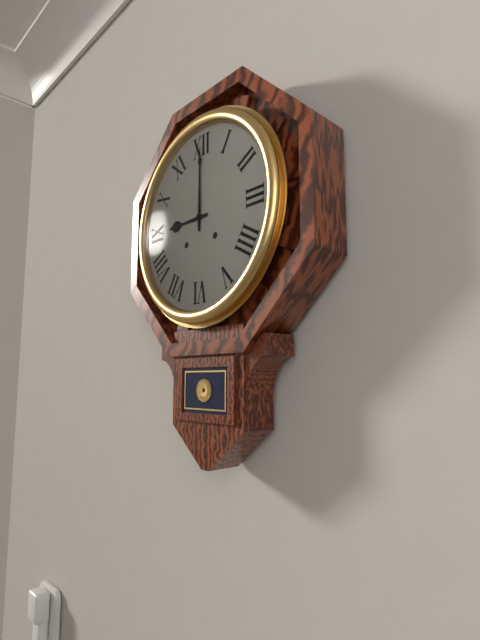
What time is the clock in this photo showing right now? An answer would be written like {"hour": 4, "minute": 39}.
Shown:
{"hour": 9, "minute": 0}
